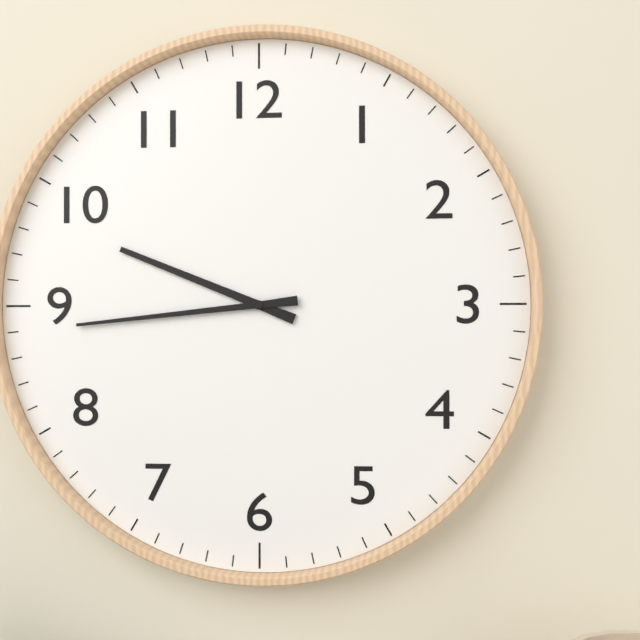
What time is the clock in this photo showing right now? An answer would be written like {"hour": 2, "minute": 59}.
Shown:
{"hour": 9, "minute": 44}
